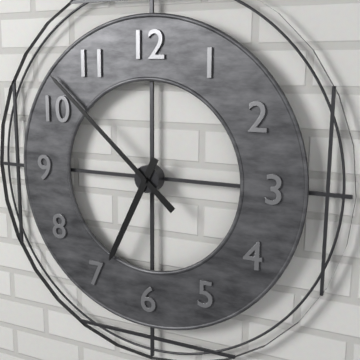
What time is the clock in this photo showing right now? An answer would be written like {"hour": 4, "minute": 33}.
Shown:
{"hour": 6, "minute": 52}
